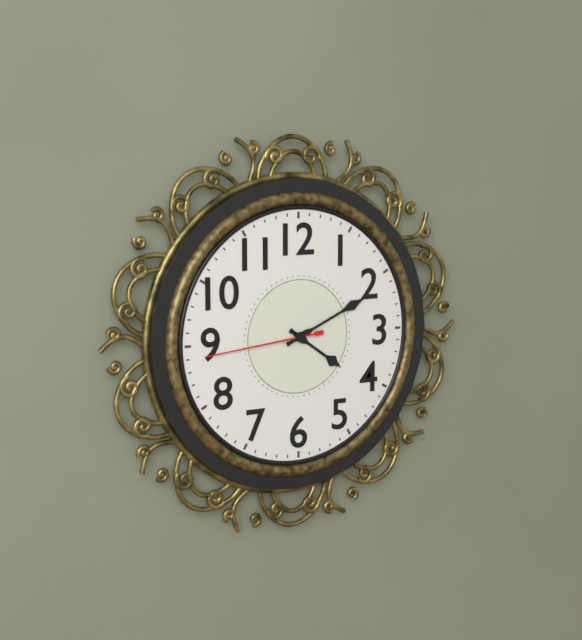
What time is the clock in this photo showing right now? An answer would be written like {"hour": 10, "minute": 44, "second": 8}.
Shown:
{"hour": 4, "minute": 11, "second": 44}
